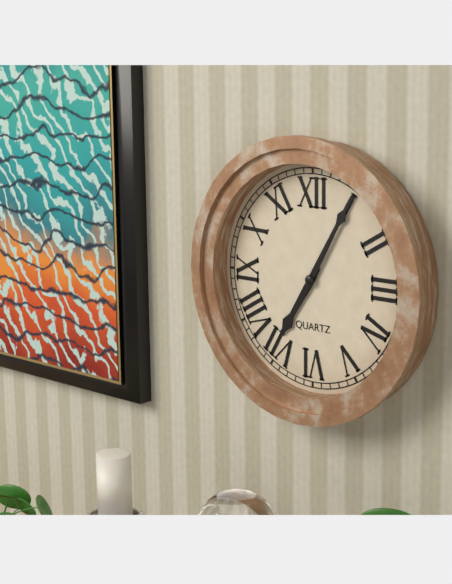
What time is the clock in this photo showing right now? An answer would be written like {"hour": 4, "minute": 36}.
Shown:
{"hour": 7, "minute": 5}
